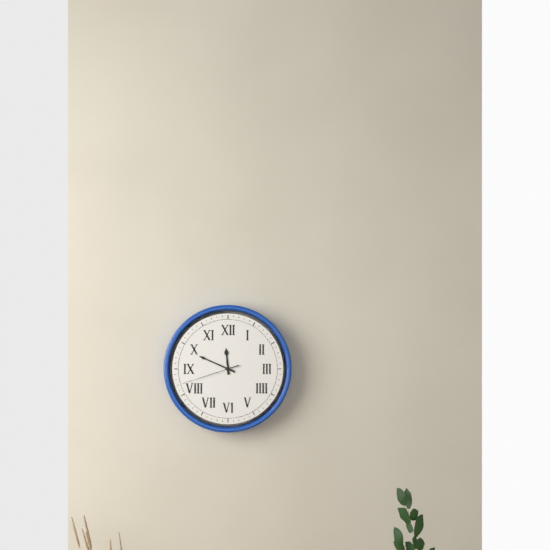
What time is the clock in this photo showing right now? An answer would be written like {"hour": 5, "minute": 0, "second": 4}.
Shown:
{"hour": 11, "minute": 49, "second": 42}
